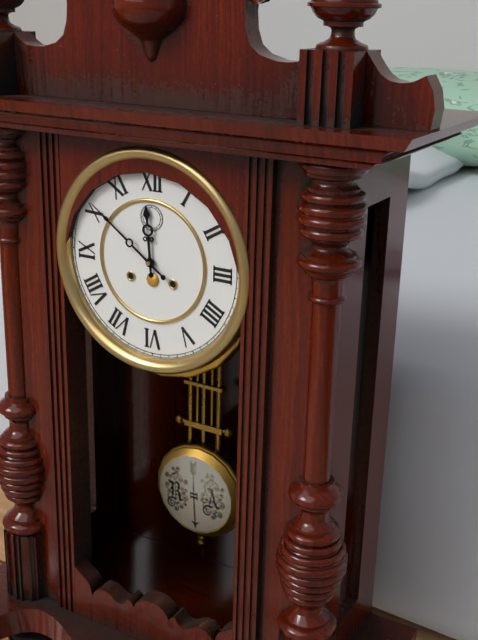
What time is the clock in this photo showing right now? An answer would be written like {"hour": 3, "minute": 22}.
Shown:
{"hour": 11, "minute": 51}
